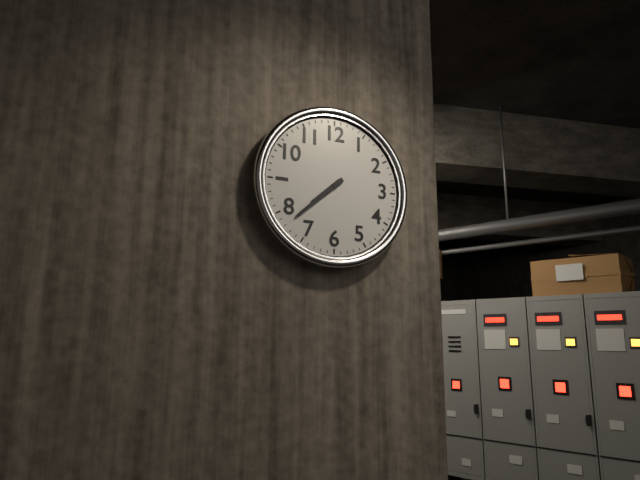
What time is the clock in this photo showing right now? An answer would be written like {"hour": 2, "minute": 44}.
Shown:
{"hour": 7, "minute": 38}
